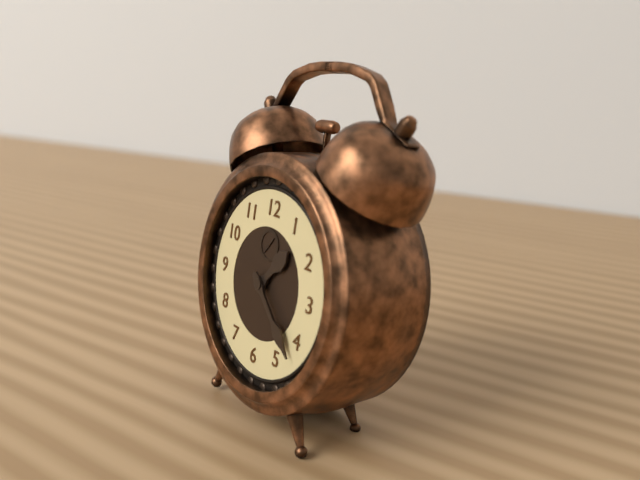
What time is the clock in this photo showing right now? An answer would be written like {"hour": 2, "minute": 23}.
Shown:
{"hour": 1, "minute": 22}
